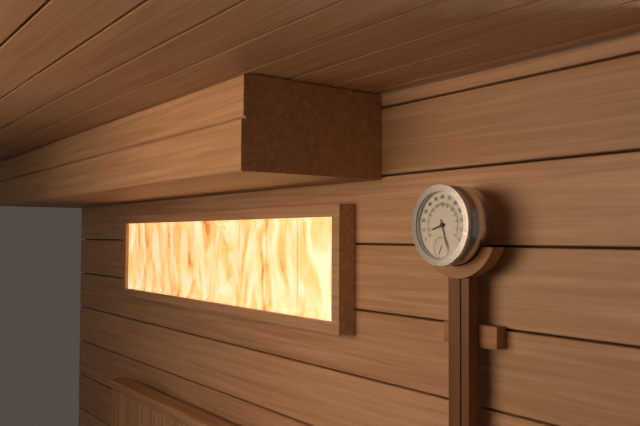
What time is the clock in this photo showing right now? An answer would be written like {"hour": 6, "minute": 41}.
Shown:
{"hour": 8, "minute": 27}
